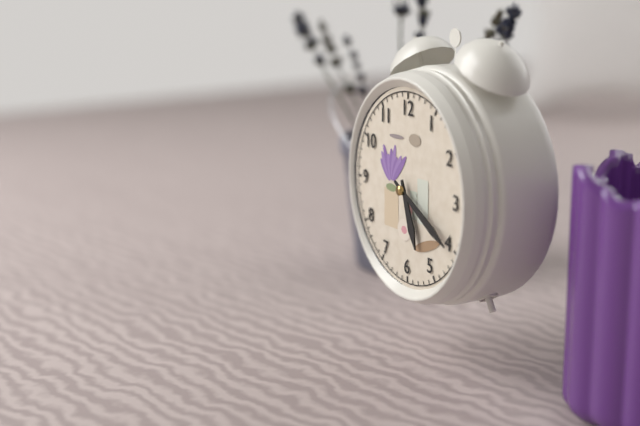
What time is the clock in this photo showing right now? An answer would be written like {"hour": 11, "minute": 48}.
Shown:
{"hour": 5, "minute": 20}
